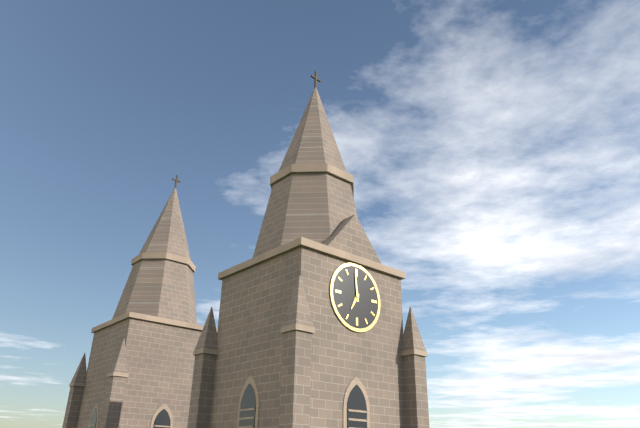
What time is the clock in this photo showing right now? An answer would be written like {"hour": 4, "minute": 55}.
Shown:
{"hour": 6, "minute": 59}
